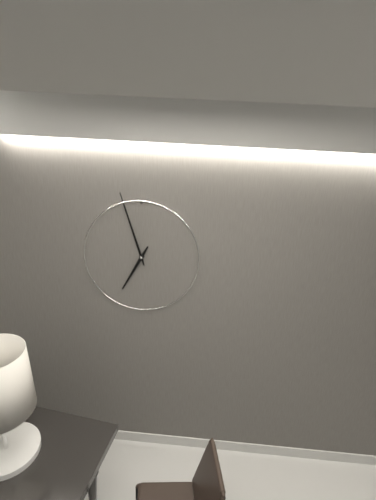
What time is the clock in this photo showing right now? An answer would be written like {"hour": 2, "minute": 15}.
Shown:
{"hour": 6, "minute": 57}
